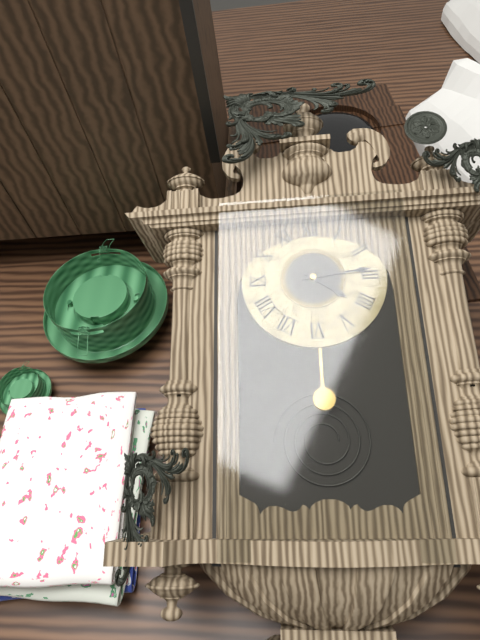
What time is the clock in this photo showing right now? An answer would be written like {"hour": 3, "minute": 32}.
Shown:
{"hour": 4, "minute": 14}
